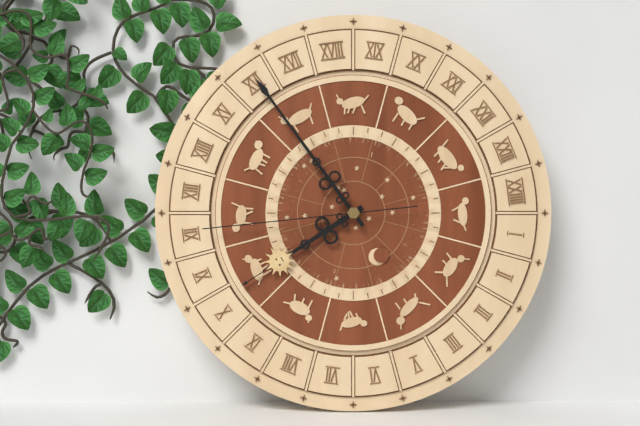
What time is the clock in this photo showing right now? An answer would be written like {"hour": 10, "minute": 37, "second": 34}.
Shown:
{"hour": 7, "minute": 54, "second": 44}
